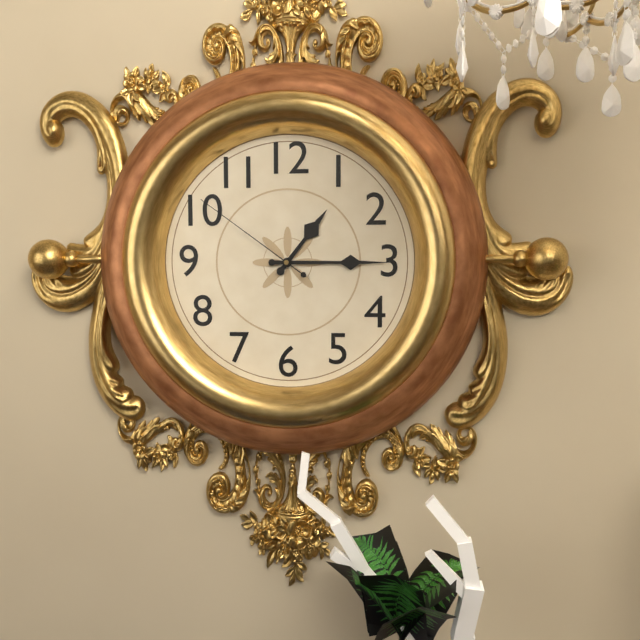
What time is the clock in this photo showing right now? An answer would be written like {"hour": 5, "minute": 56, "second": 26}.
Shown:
{"hour": 1, "minute": 15, "second": 51}
